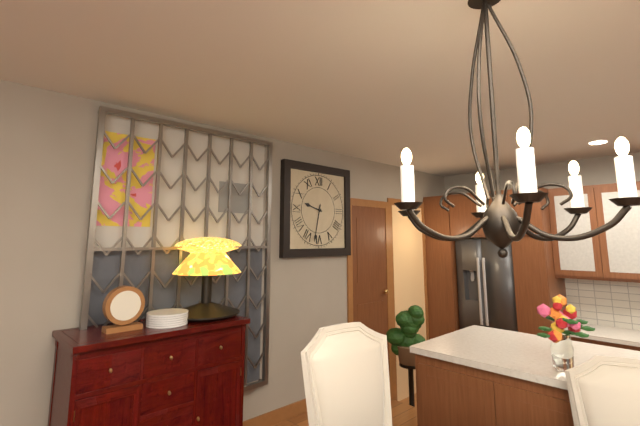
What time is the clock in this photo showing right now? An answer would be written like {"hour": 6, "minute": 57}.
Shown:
{"hour": 9, "minute": 32}
